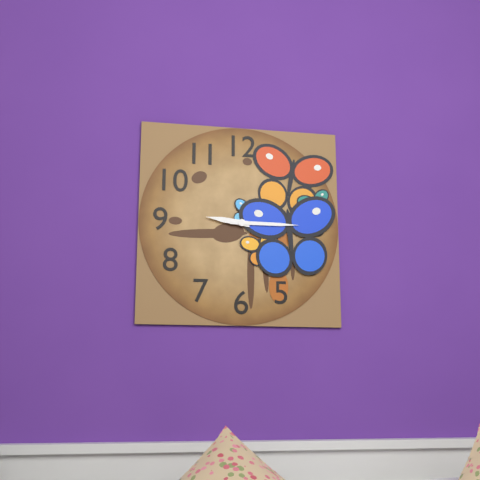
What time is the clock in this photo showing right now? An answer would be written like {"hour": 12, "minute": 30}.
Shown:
{"hour": 9, "minute": 15}
